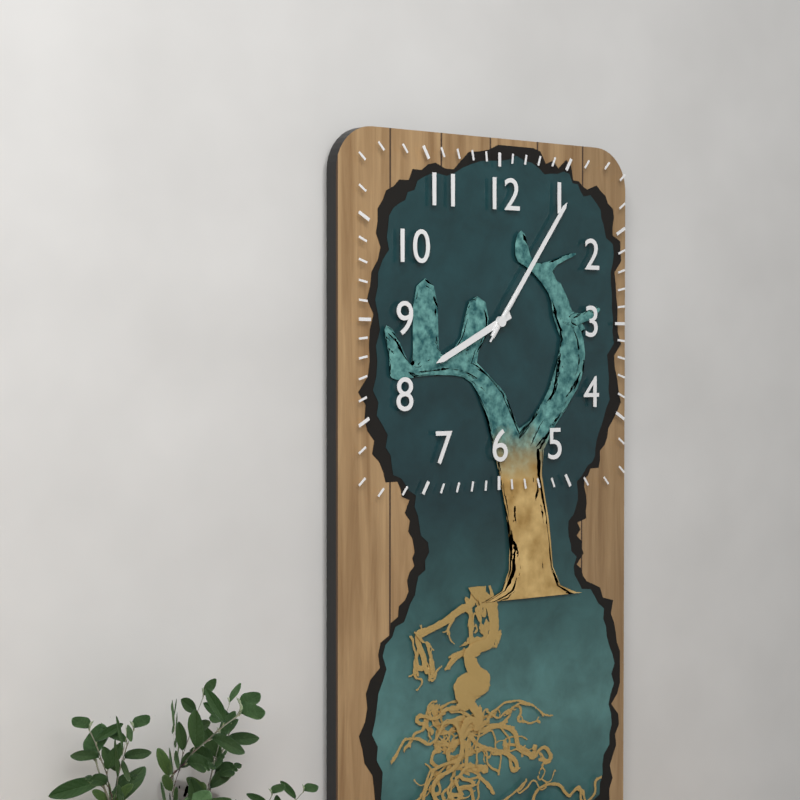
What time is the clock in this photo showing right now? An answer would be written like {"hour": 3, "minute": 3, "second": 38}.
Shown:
{"hour": 8, "minute": 6, "second": 6}
